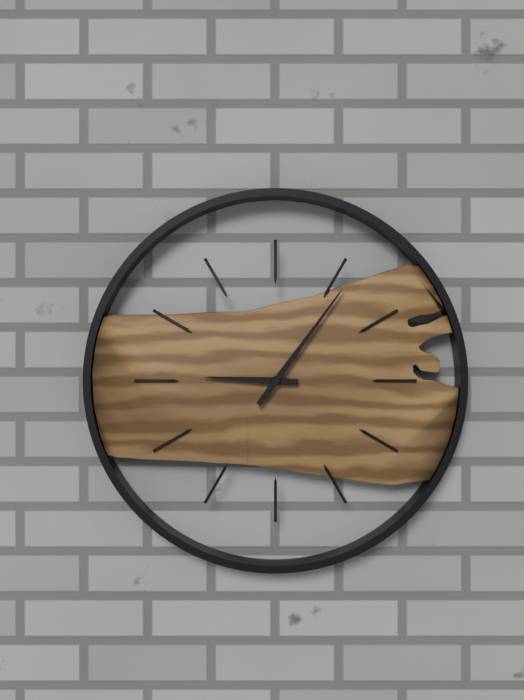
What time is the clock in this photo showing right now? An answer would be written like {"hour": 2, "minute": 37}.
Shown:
{"hour": 9, "minute": 6}
